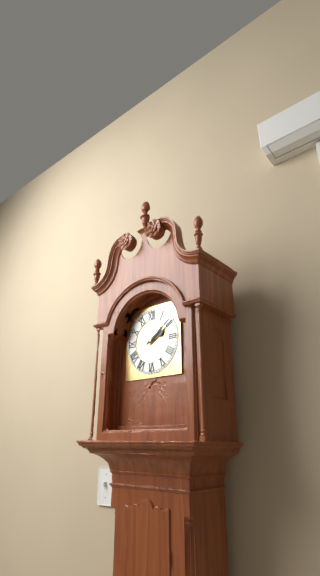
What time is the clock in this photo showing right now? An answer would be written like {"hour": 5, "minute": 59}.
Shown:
{"hour": 2, "minute": 9}
